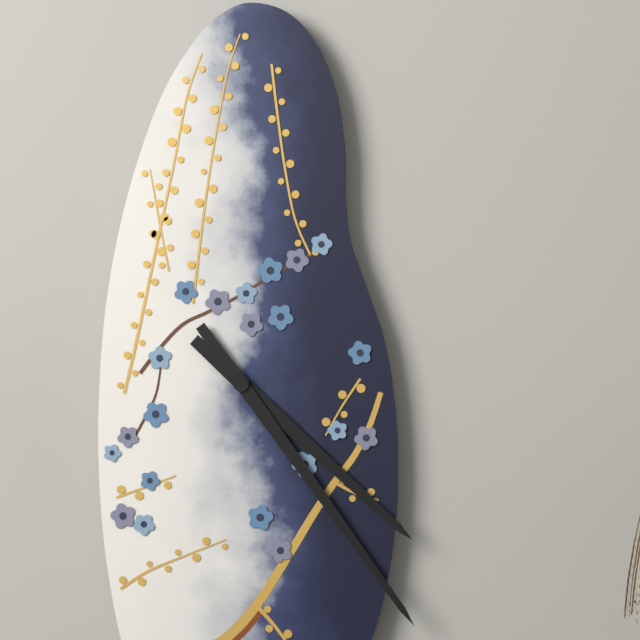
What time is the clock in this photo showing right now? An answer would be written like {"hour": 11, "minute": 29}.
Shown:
{"hour": 4, "minute": 24}
